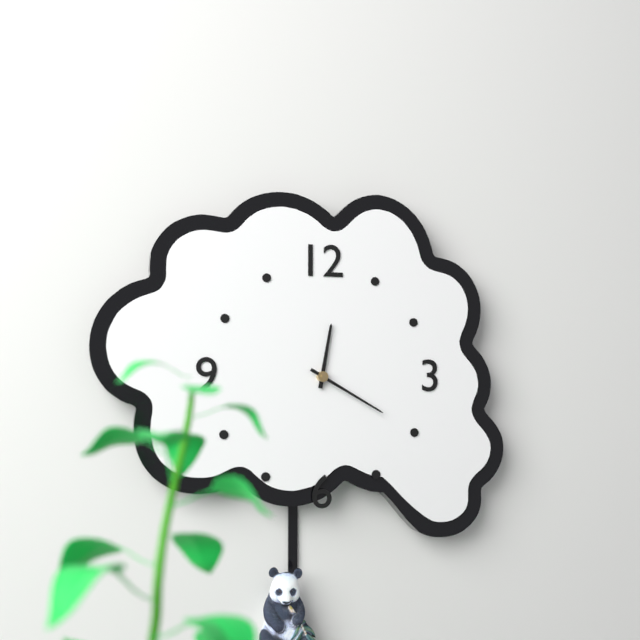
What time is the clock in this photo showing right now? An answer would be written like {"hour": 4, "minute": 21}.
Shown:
{"hour": 12, "minute": 20}
